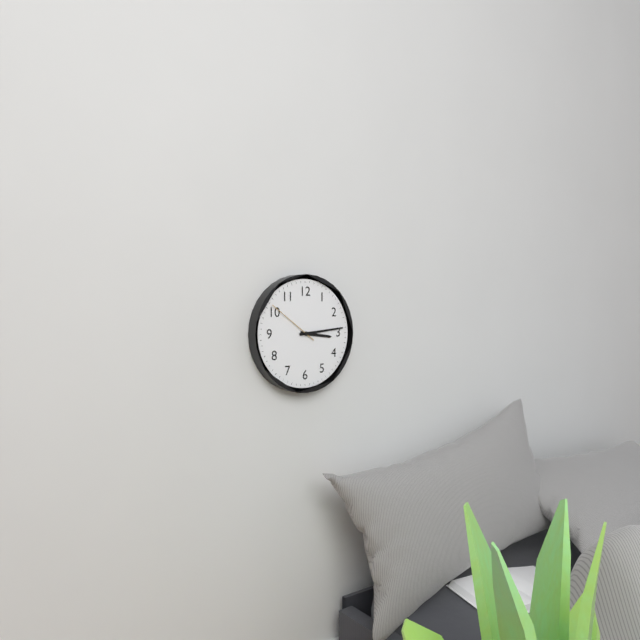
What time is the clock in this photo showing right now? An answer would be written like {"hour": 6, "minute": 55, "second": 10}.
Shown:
{"hour": 3, "minute": 14, "second": 51}
